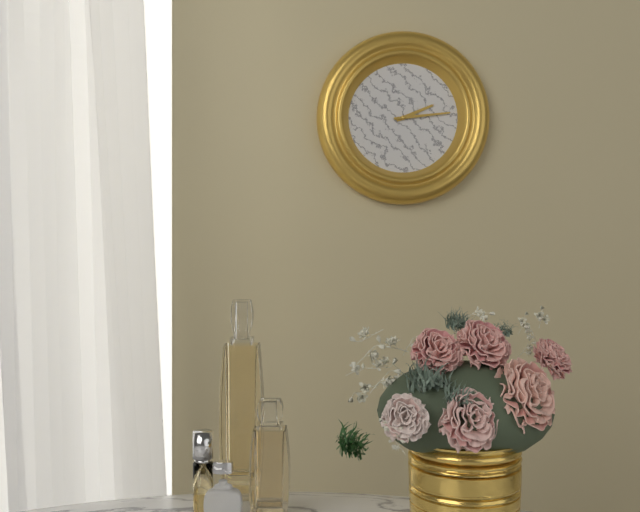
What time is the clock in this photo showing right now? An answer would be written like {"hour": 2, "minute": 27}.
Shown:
{"hour": 2, "minute": 14}
